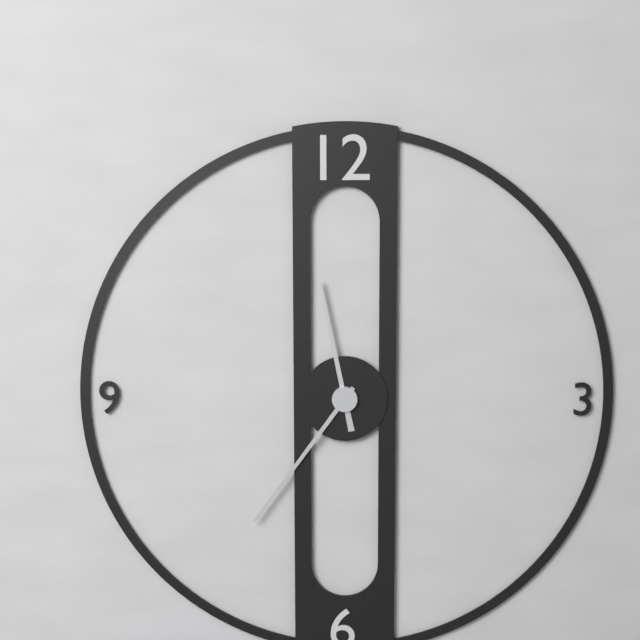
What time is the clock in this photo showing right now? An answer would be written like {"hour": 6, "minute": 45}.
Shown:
{"hour": 11, "minute": 36}
